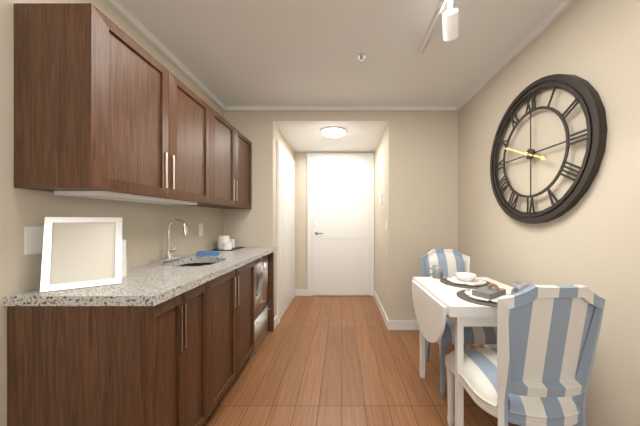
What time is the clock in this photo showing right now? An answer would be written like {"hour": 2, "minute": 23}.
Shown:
{"hour": 3, "minute": 49}
